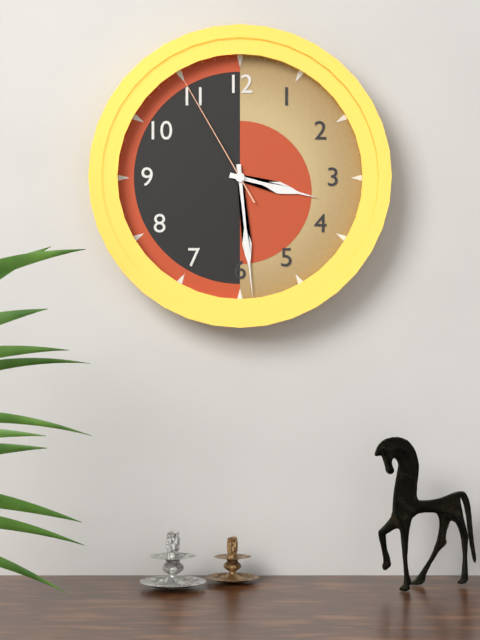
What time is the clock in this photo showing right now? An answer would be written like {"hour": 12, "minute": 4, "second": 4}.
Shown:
{"hour": 3, "minute": 29, "second": 55}
